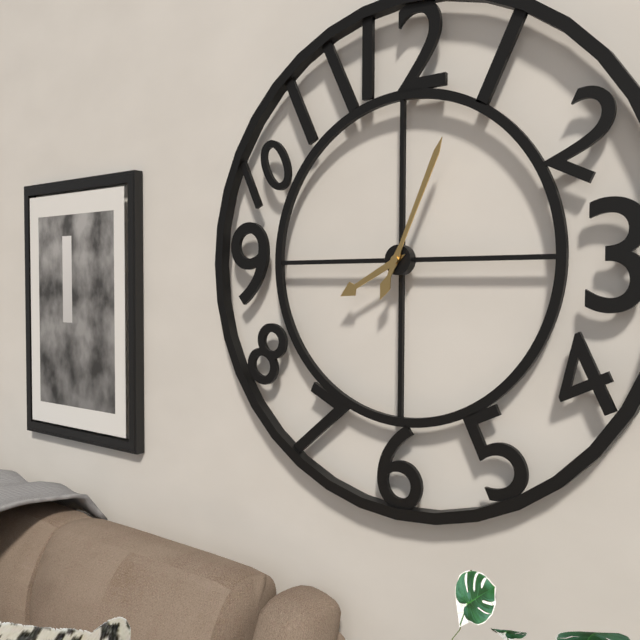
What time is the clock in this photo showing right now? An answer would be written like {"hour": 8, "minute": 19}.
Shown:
{"hour": 8, "minute": 4}
